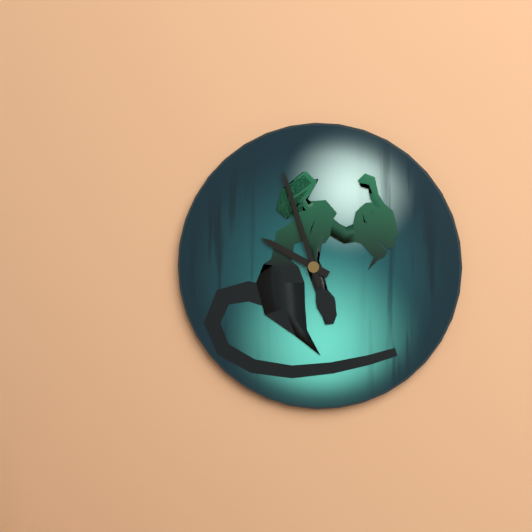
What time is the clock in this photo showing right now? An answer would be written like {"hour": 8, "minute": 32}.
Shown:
{"hour": 9, "minute": 57}
